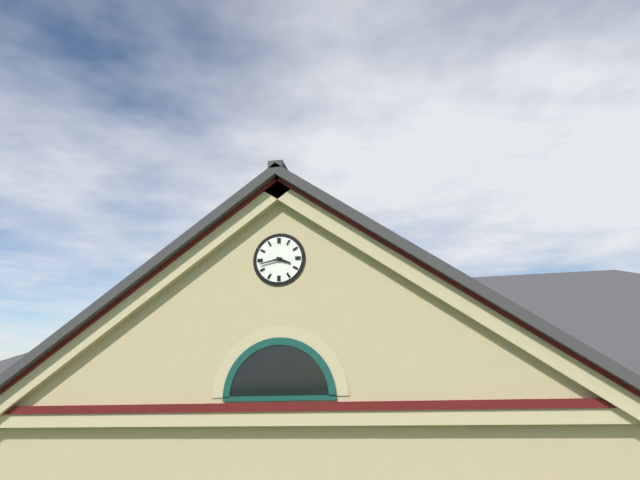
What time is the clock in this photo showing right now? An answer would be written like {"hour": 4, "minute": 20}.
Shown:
{"hour": 3, "minute": 43}
